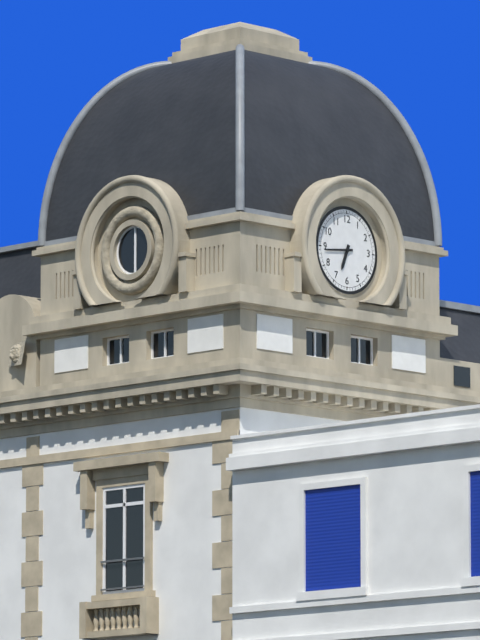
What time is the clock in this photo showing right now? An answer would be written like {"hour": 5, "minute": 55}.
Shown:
{"hour": 6, "minute": 44}
